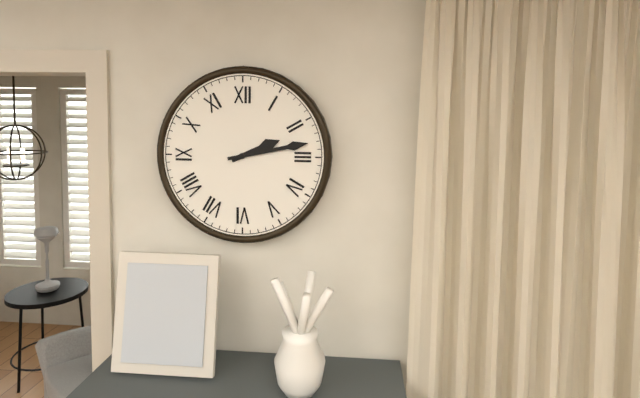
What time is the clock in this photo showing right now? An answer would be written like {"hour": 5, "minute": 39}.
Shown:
{"hour": 2, "minute": 13}
